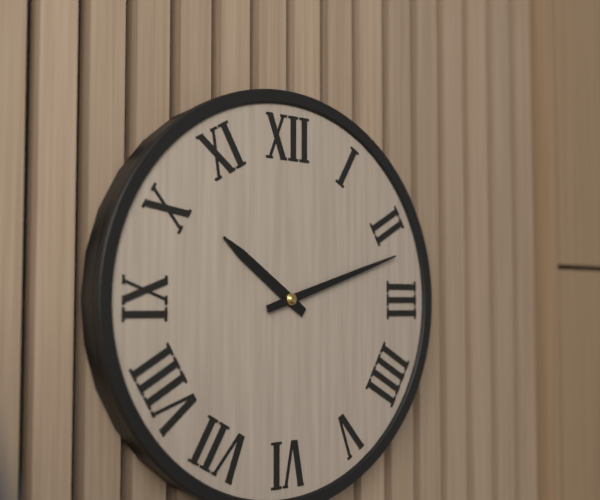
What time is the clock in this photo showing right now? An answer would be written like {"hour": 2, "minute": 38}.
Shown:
{"hour": 10, "minute": 12}
